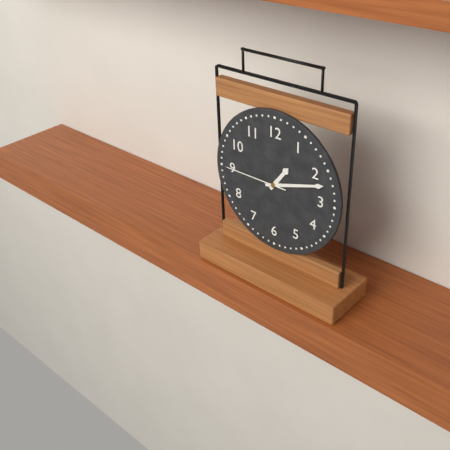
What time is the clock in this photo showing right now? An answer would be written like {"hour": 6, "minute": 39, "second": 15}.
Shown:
{"hour": 1, "minute": 12, "second": 45}
